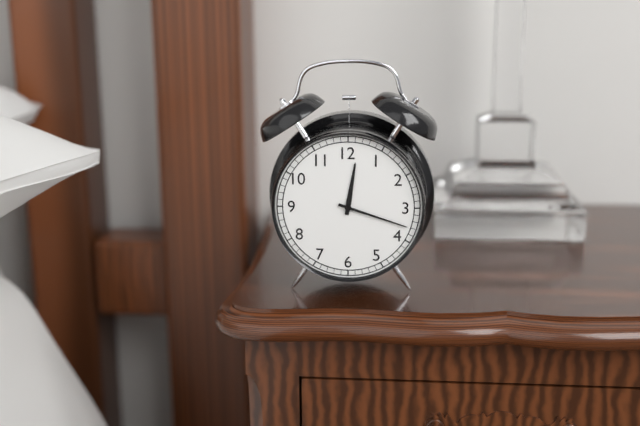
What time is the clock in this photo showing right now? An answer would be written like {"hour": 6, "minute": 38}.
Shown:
{"hour": 12, "minute": 18}
